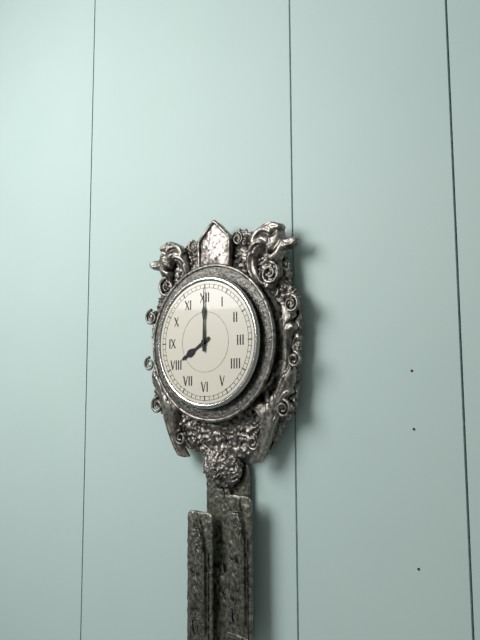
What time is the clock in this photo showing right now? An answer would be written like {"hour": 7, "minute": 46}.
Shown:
{"hour": 8, "minute": 0}
